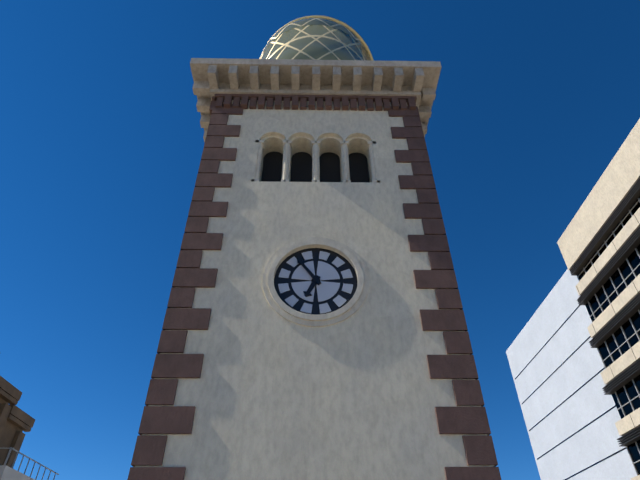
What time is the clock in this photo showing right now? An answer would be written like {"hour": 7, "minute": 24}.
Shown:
{"hour": 6, "minute": 54}
